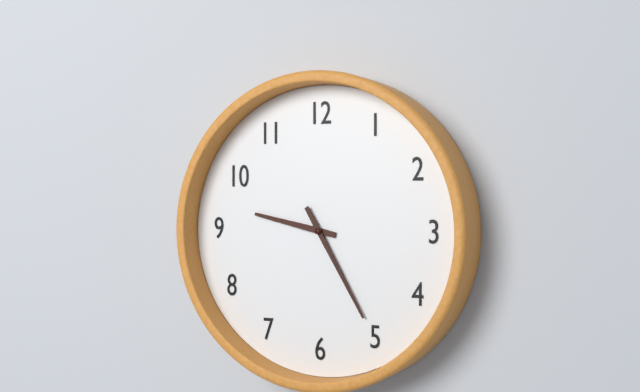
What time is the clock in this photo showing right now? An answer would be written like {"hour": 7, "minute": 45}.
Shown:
{"hour": 9, "minute": 25}
